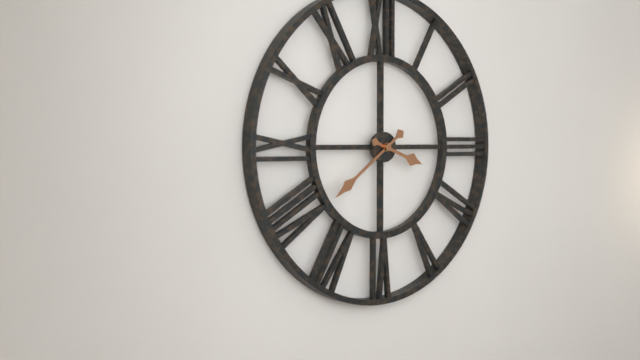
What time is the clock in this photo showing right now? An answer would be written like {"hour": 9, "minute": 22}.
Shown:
{"hour": 3, "minute": 39}
